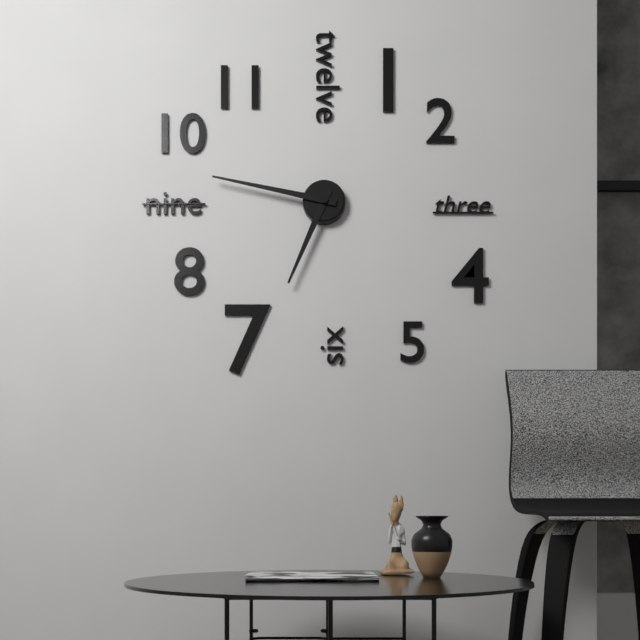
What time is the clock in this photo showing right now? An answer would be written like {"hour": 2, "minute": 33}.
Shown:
{"hour": 6, "minute": 47}
